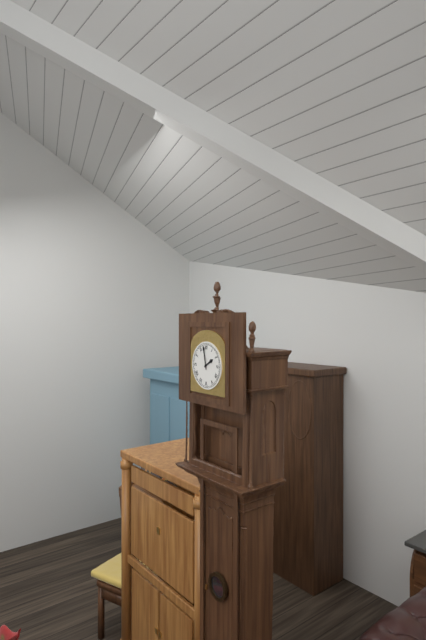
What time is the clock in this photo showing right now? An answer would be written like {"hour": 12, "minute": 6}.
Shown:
{"hour": 1, "minute": 58}
